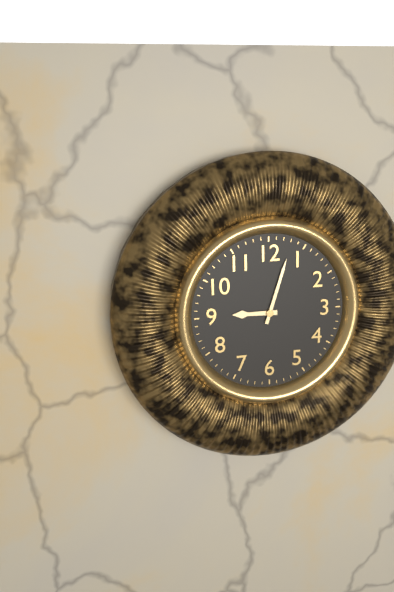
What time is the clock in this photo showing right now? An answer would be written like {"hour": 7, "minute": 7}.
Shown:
{"hour": 9, "minute": 3}
